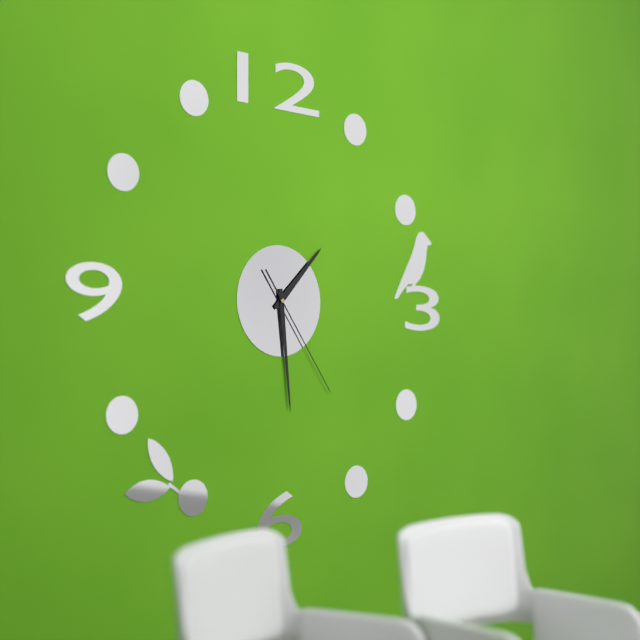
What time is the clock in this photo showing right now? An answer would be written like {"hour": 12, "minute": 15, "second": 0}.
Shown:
{"hour": 1, "minute": 29, "second": 24}
